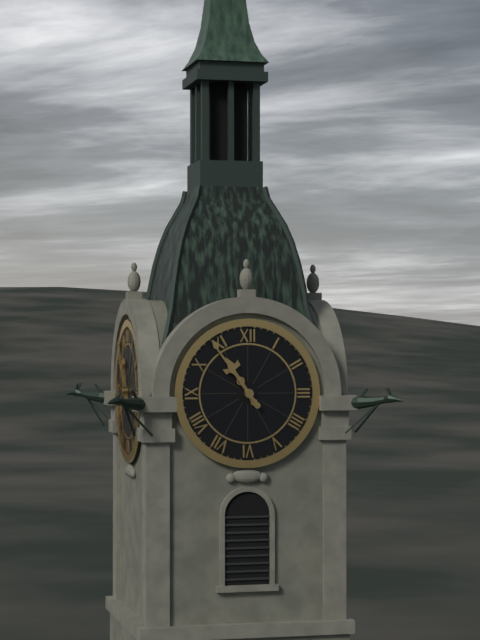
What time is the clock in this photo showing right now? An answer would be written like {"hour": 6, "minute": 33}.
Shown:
{"hour": 10, "minute": 54}
